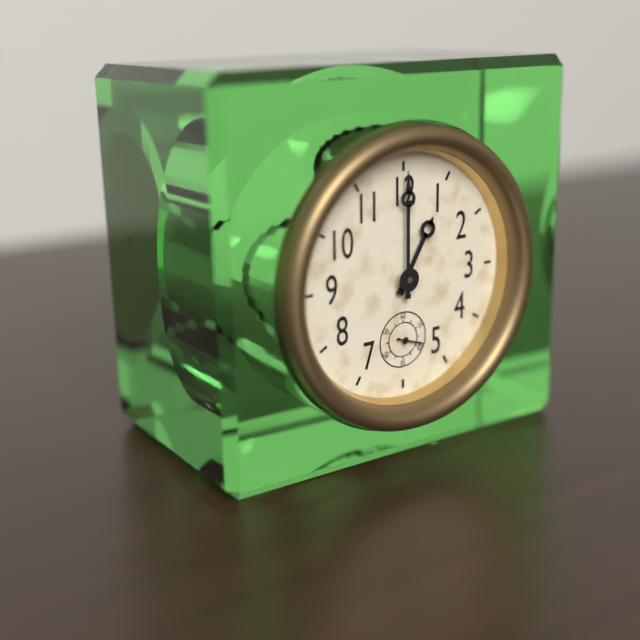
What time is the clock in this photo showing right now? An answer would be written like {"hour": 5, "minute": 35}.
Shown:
{"hour": 1, "minute": 0}
